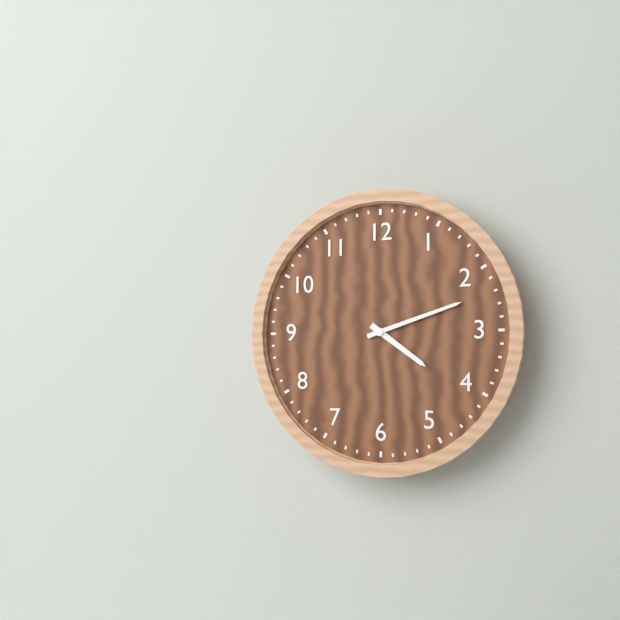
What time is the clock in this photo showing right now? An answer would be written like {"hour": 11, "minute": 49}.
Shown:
{"hour": 4, "minute": 12}
